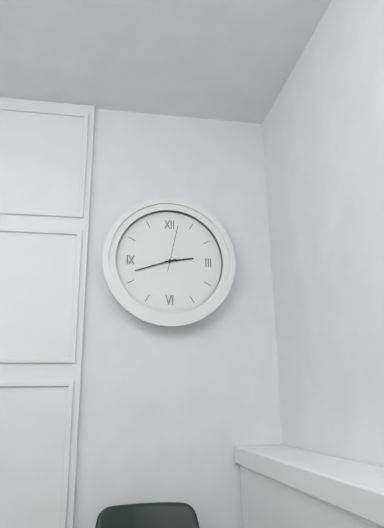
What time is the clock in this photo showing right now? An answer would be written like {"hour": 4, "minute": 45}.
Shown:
{"hour": 2, "minute": 42}
